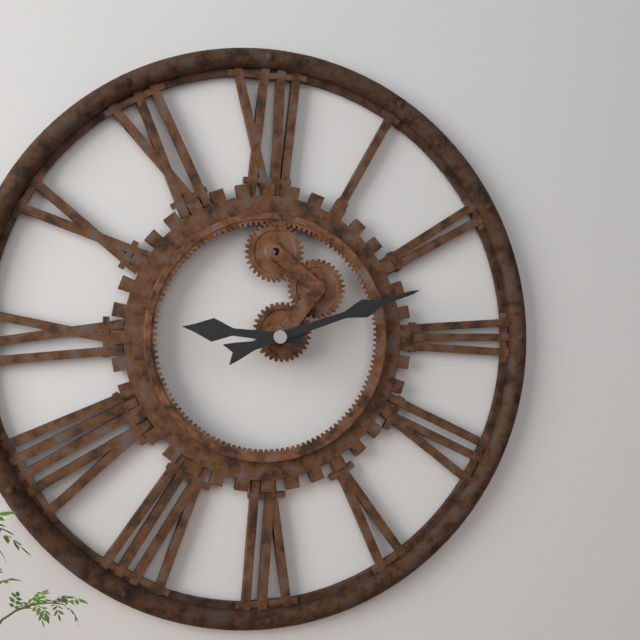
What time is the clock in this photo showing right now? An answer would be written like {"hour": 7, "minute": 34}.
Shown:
{"hour": 9, "minute": 12}
